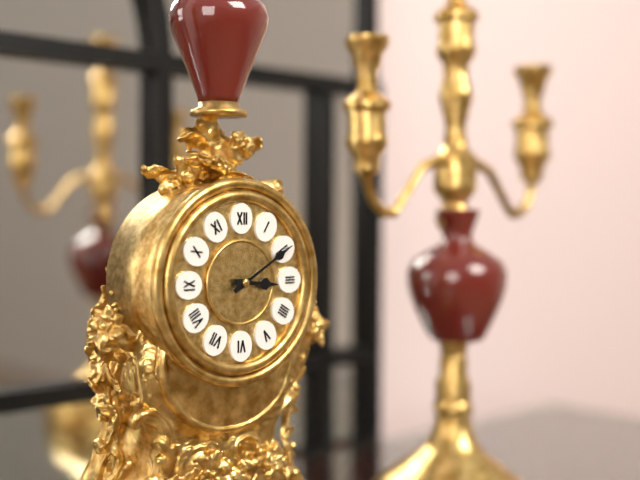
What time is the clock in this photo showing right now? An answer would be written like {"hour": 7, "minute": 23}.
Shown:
{"hour": 3, "minute": 10}
